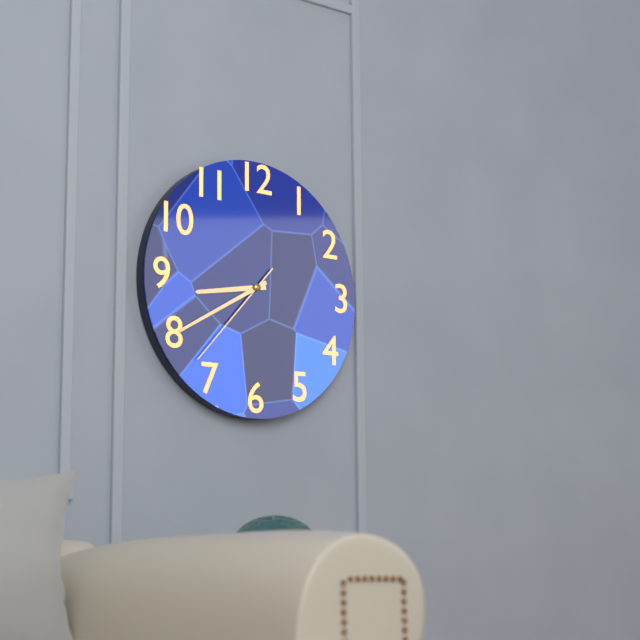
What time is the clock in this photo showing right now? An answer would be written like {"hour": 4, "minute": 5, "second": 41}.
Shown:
{"hour": 8, "minute": 40, "second": 37}
